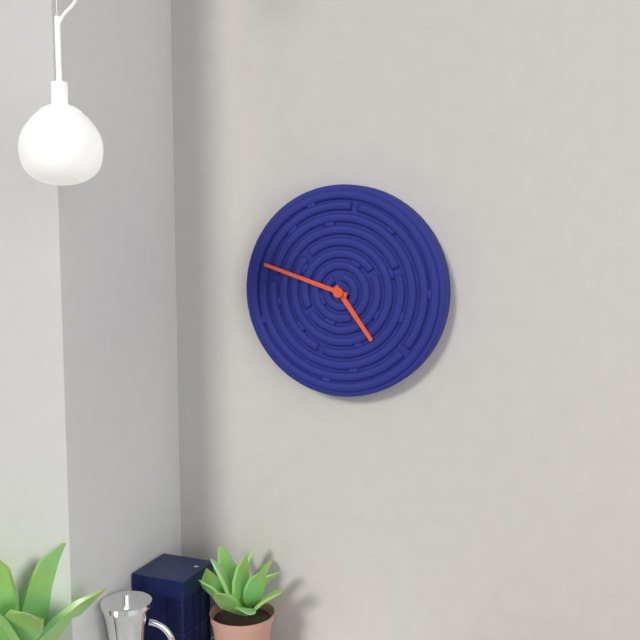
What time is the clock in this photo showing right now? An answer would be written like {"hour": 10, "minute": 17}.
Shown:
{"hour": 4, "minute": 48}
